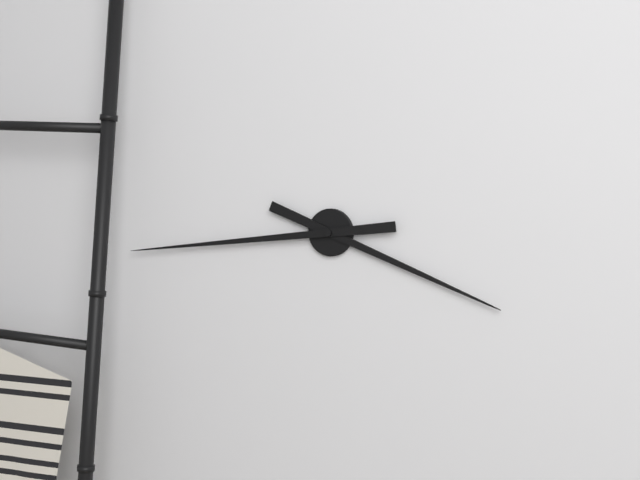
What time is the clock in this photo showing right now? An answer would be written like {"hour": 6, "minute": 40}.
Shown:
{"hour": 3, "minute": 44}
